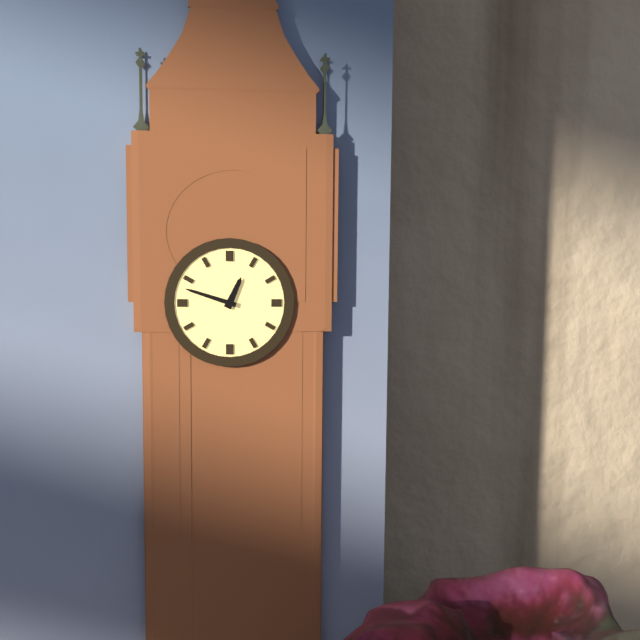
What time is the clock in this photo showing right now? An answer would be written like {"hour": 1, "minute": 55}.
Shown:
{"hour": 12, "minute": 48}
